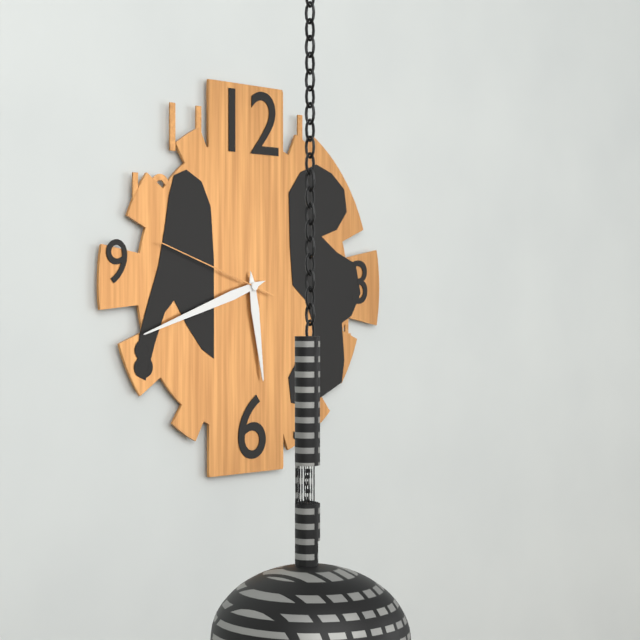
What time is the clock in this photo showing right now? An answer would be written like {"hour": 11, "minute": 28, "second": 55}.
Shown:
{"hour": 5, "minute": 42, "second": 48}
